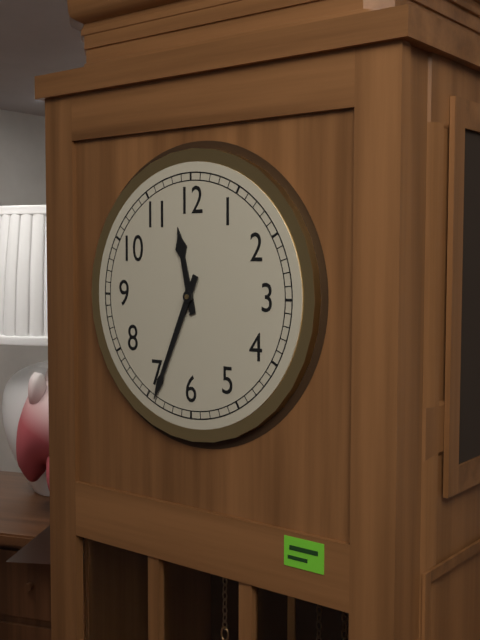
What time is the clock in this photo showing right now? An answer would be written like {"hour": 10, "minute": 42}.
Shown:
{"hour": 11, "minute": 34}
